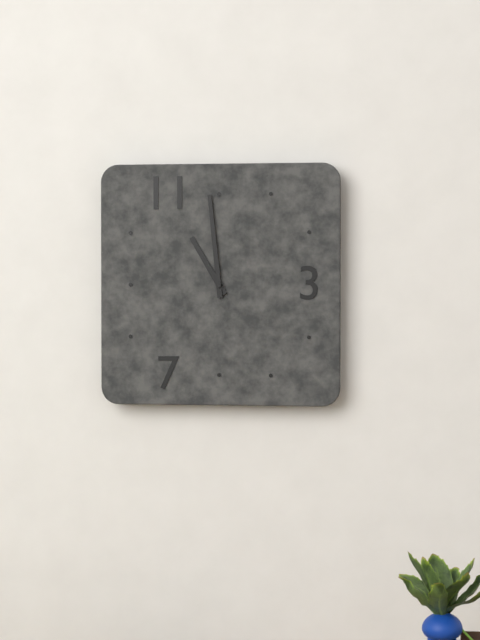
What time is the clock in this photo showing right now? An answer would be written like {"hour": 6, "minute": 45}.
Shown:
{"hour": 10, "minute": 59}
